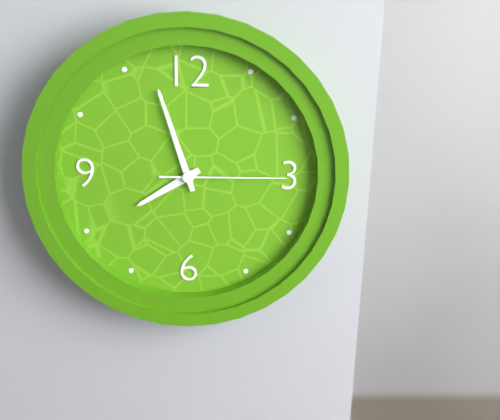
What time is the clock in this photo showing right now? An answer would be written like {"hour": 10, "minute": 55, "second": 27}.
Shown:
{"hour": 7, "minute": 57, "second": 15}
